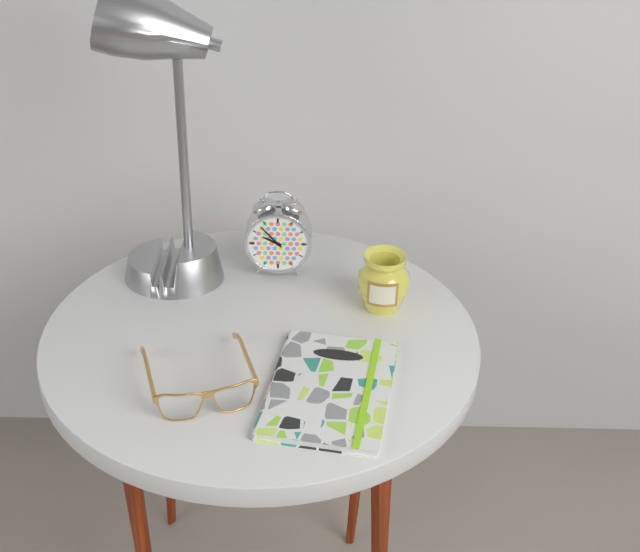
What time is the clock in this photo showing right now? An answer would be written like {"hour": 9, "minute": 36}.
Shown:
{"hour": 9, "minute": 53}
